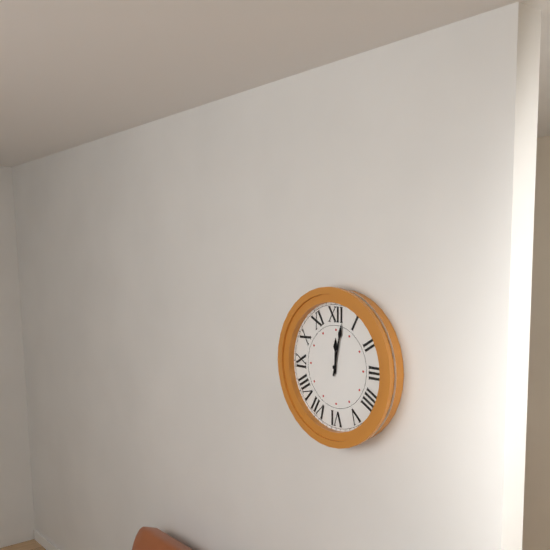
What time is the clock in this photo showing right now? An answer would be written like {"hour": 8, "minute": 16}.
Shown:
{"hour": 12, "minute": 2}
